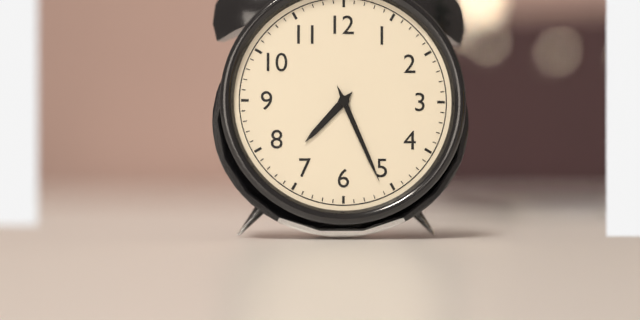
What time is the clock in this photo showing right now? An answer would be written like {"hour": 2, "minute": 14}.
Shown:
{"hour": 7, "minute": 26}
